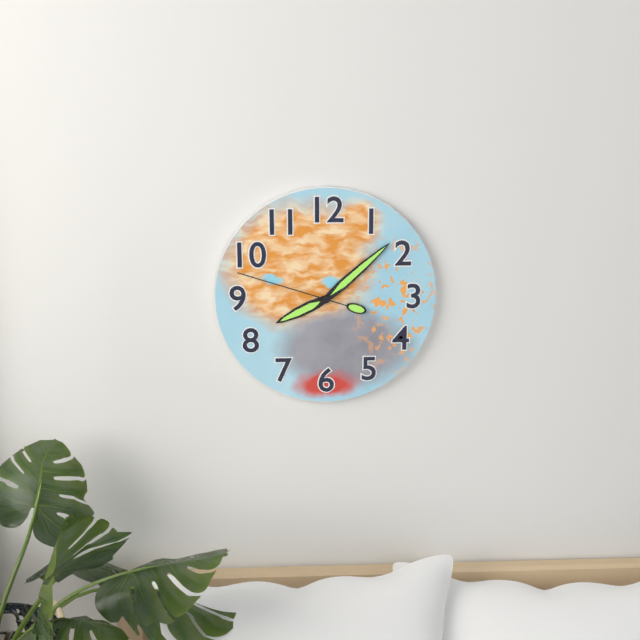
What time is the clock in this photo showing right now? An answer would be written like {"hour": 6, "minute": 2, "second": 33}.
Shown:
{"hour": 8, "minute": 8, "second": 48}
